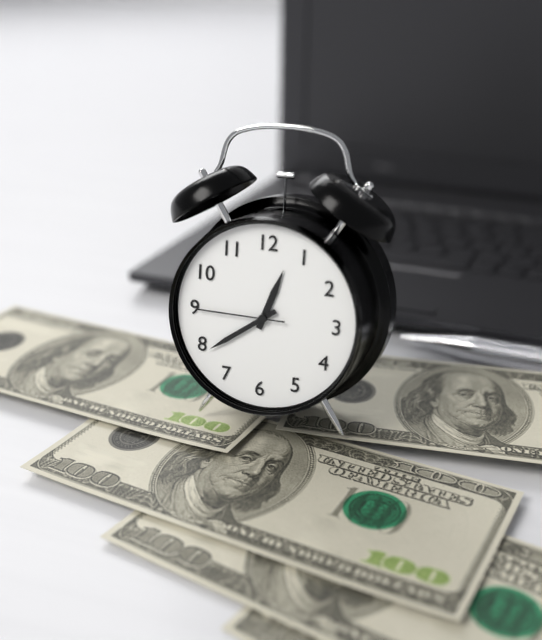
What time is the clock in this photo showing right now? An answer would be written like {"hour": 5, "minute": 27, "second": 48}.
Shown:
{"hour": 12, "minute": 39, "second": 45}
